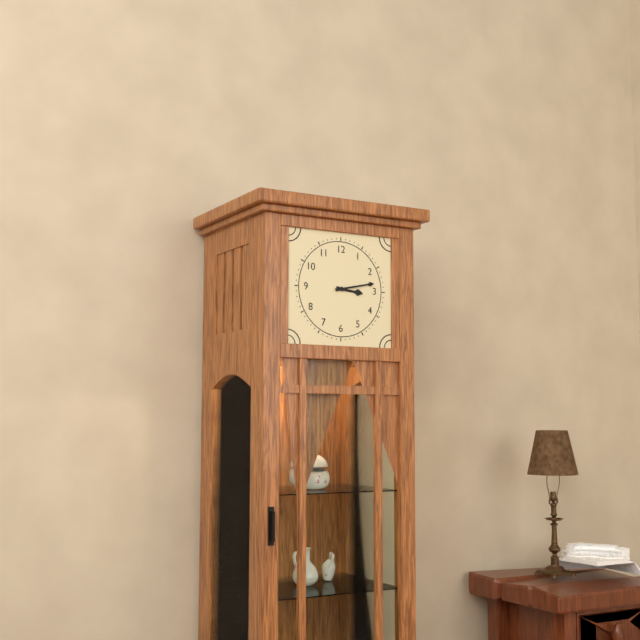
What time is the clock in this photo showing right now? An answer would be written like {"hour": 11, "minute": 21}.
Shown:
{"hour": 3, "minute": 13}
